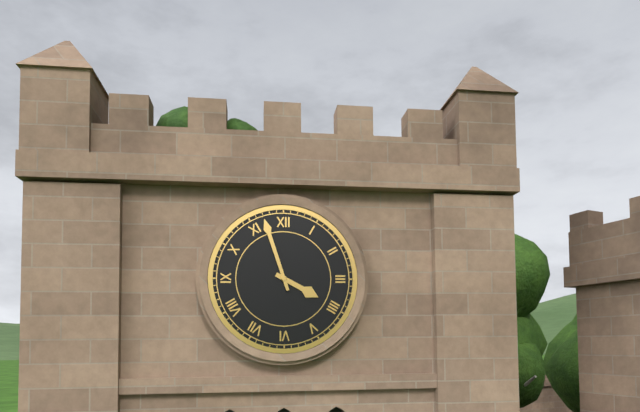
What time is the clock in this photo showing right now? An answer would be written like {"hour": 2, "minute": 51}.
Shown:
{"hour": 3, "minute": 57}
